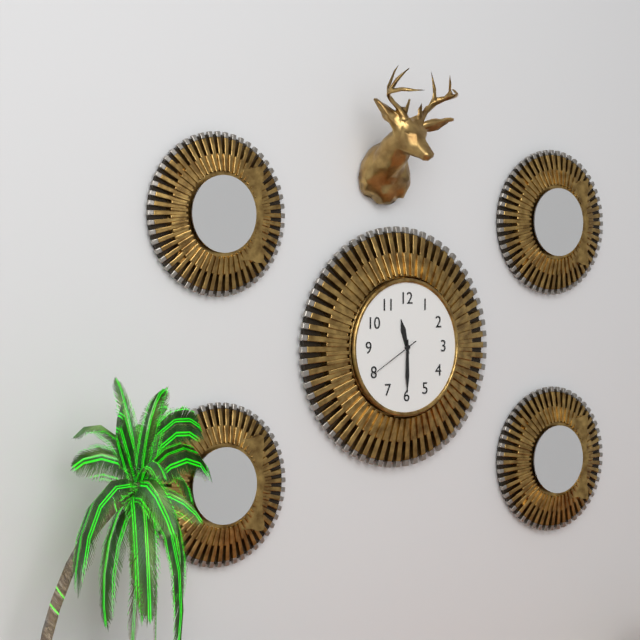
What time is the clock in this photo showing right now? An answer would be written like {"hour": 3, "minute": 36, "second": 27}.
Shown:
{"hour": 11, "minute": 30, "second": 40}
